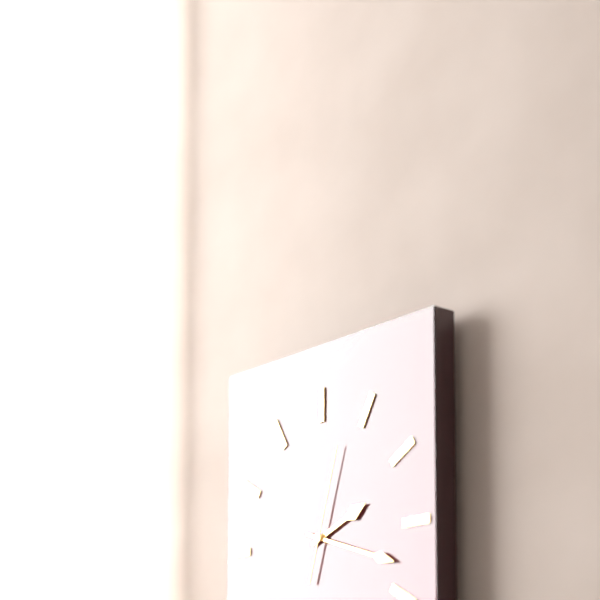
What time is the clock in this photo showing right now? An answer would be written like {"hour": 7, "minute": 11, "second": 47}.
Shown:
{"hour": 2, "minute": 18, "second": 3}
